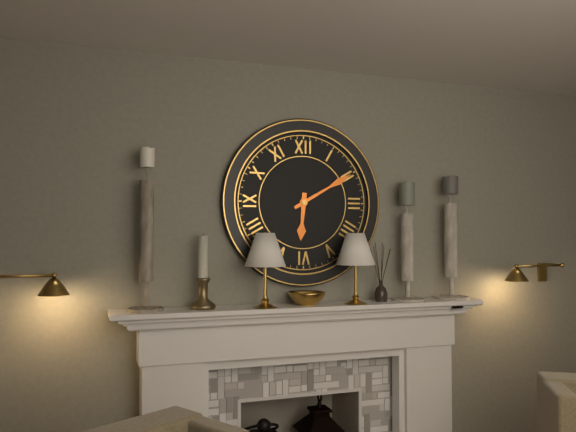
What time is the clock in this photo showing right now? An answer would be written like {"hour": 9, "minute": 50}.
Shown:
{"hour": 6, "minute": 10}
